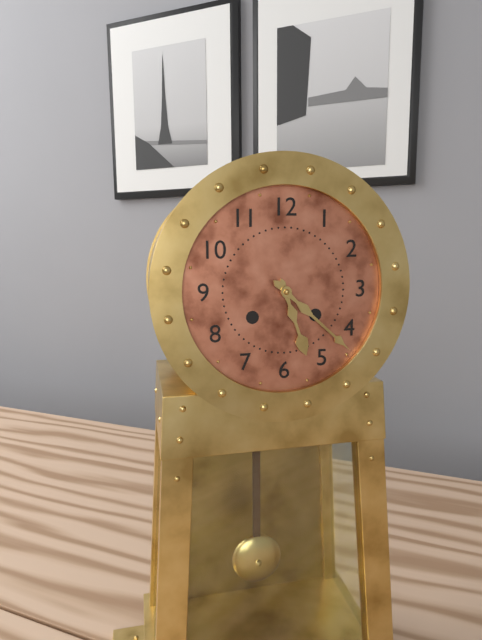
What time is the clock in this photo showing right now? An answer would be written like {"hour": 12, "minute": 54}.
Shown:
{"hour": 5, "minute": 22}
